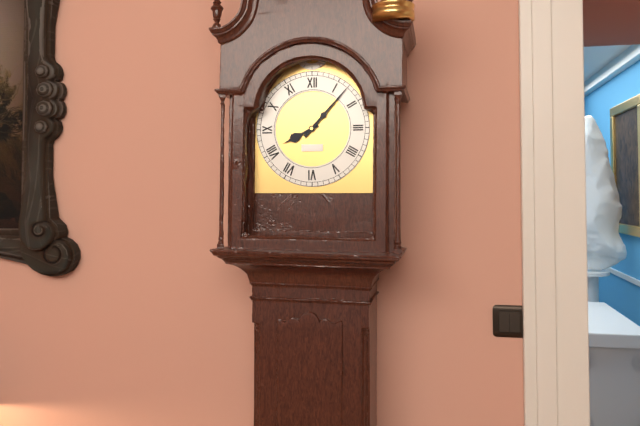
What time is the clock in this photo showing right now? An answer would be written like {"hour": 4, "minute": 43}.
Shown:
{"hour": 8, "minute": 7}
